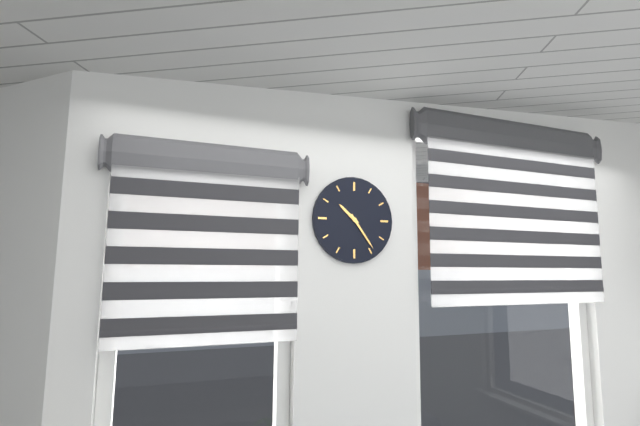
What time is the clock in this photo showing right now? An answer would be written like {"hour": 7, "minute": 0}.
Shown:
{"hour": 10, "minute": 24}
